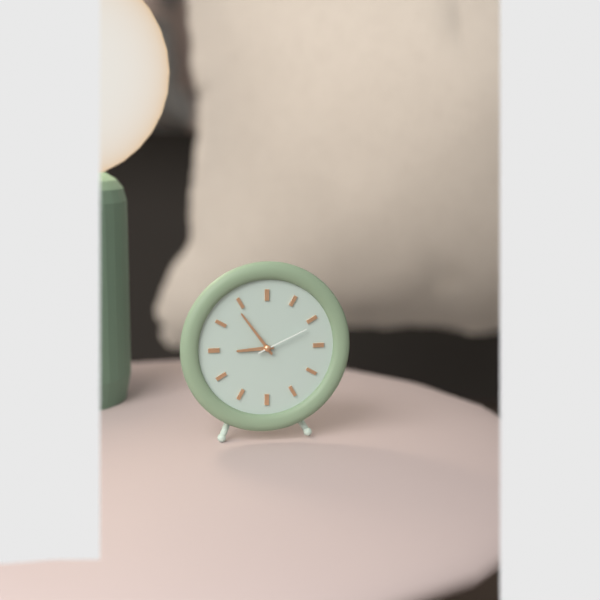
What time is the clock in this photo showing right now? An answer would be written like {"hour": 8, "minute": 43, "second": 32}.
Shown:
{"hour": 8, "minute": 54, "second": 11}
